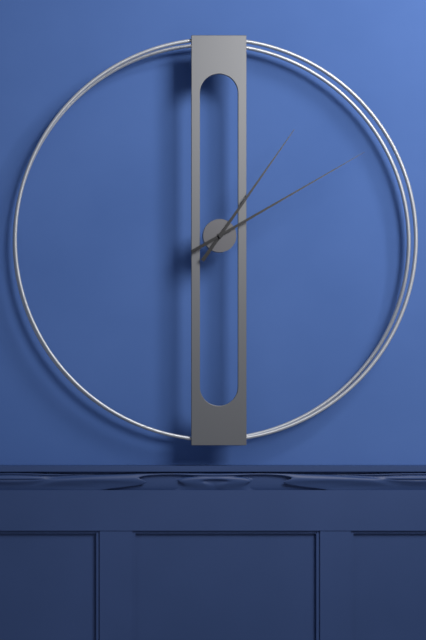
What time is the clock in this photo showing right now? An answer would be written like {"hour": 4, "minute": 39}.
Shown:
{"hour": 1, "minute": 10}
